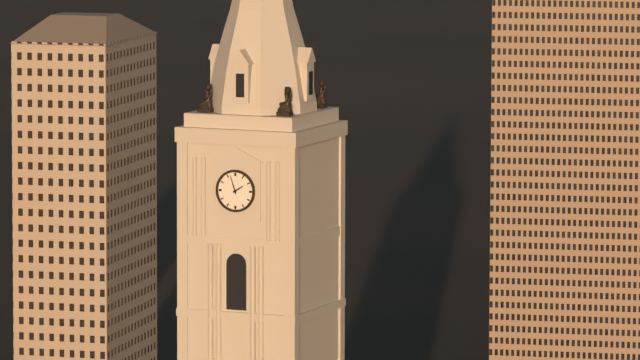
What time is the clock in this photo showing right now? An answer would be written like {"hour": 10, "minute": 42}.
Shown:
{"hour": 1, "minute": 57}
